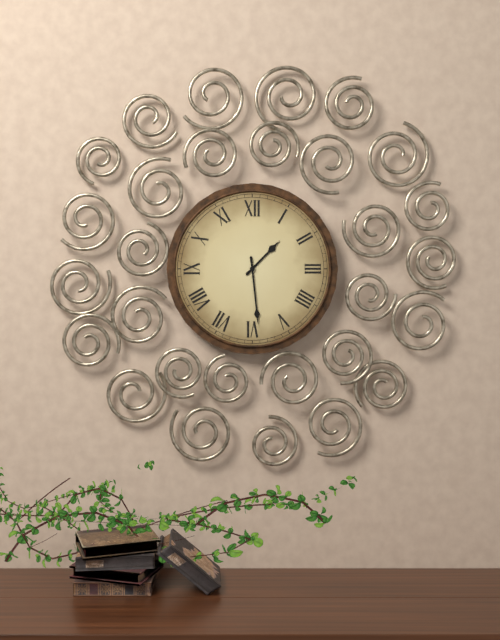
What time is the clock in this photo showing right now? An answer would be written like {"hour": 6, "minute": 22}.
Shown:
{"hour": 1, "minute": 29}
